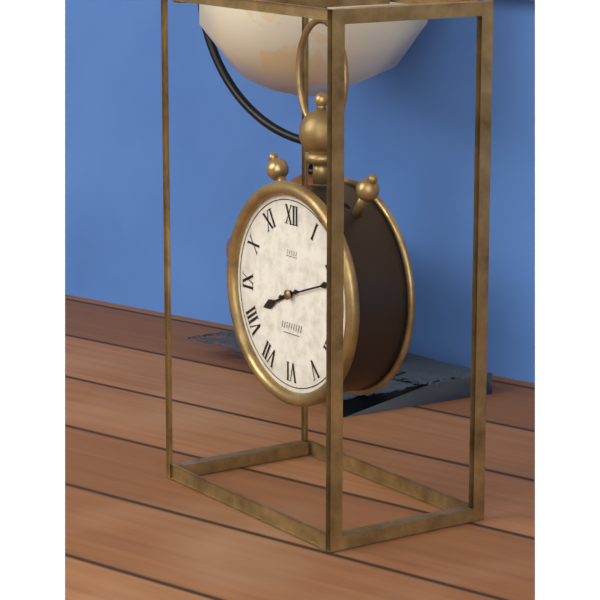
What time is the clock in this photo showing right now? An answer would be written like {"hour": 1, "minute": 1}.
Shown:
{"hour": 8, "minute": 12}
